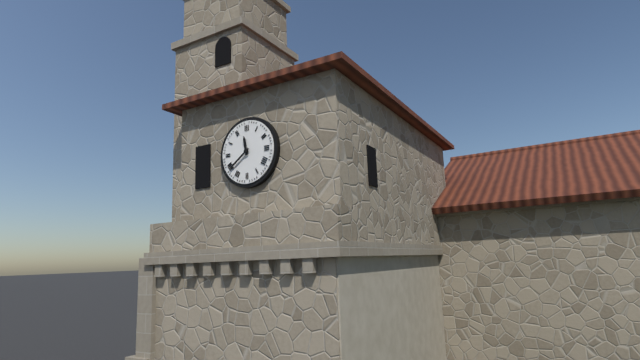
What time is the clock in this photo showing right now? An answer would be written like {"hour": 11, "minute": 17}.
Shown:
{"hour": 11, "minute": 39}
